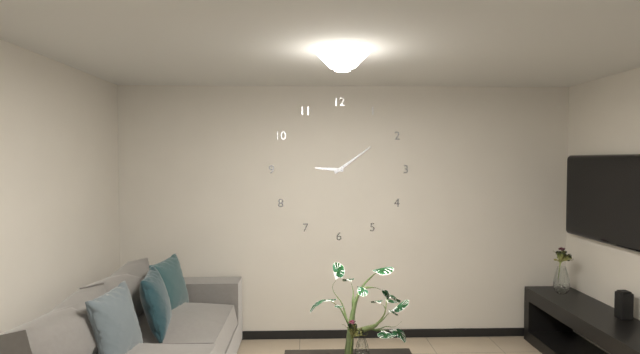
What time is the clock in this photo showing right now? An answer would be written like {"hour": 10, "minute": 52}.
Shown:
{"hour": 9, "minute": 9}
